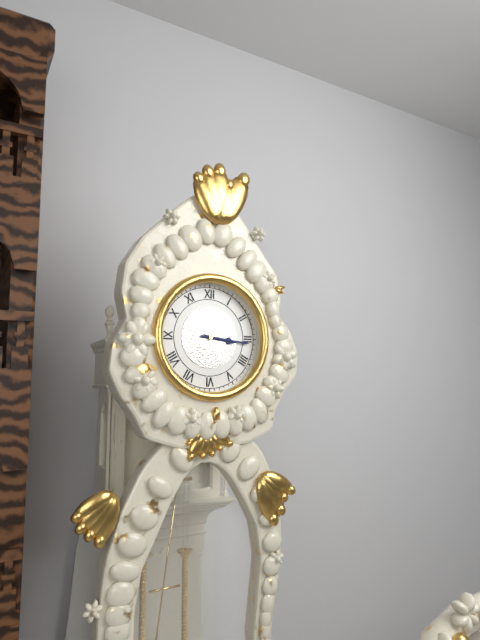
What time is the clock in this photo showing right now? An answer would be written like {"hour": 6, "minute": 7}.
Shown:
{"hour": 3, "minute": 16}
